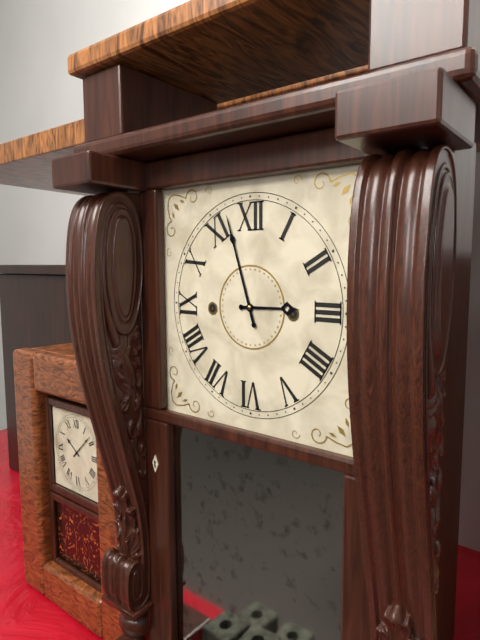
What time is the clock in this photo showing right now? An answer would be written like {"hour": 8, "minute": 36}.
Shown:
{"hour": 2, "minute": 57}
